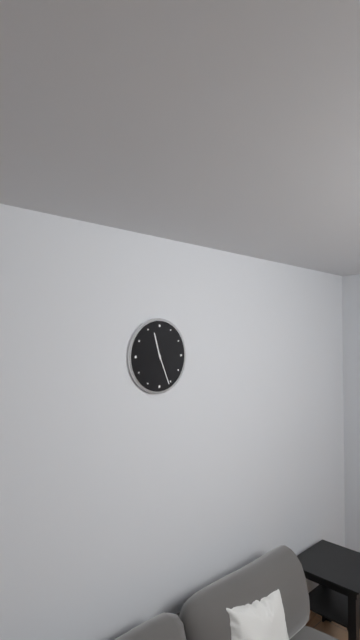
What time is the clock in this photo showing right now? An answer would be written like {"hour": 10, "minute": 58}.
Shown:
{"hour": 11, "minute": 26}
